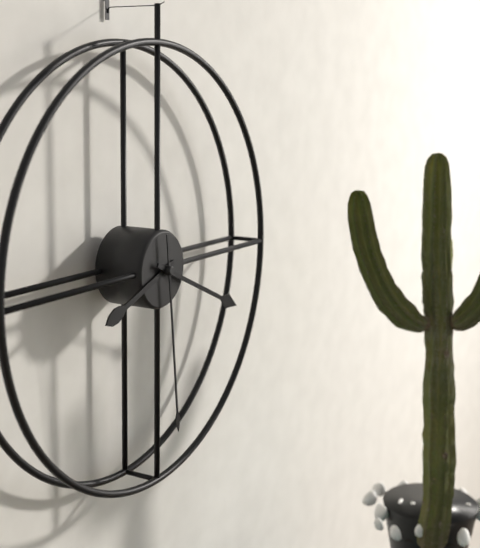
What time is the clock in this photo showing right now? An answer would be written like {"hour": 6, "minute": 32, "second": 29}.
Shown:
{"hour": 8, "minute": 19, "second": 29}
